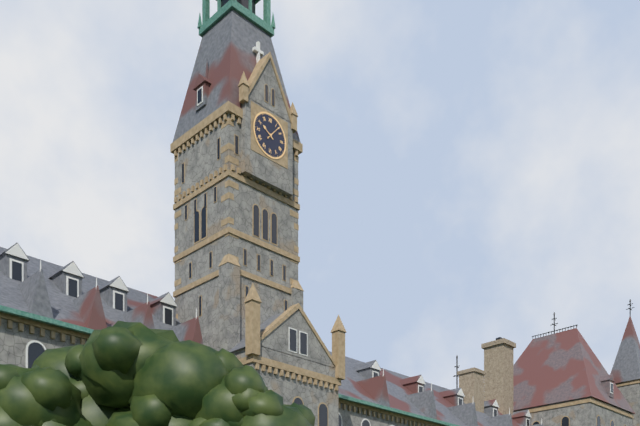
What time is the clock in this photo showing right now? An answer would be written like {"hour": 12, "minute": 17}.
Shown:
{"hour": 10, "minute": 7}
